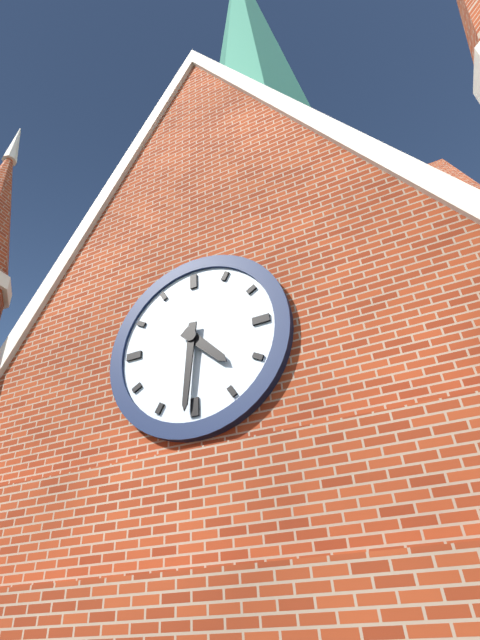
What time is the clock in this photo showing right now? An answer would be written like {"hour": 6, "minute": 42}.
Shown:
{"hour": 4, "minute": 31}
